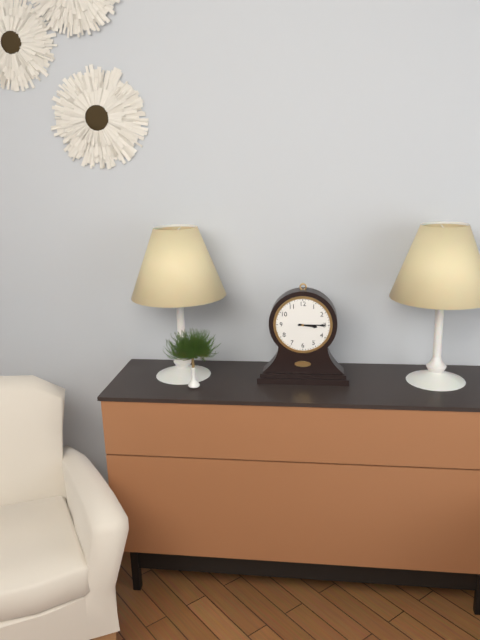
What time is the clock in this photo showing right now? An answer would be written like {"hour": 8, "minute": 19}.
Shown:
{"hour": 3, "minute": 15}
